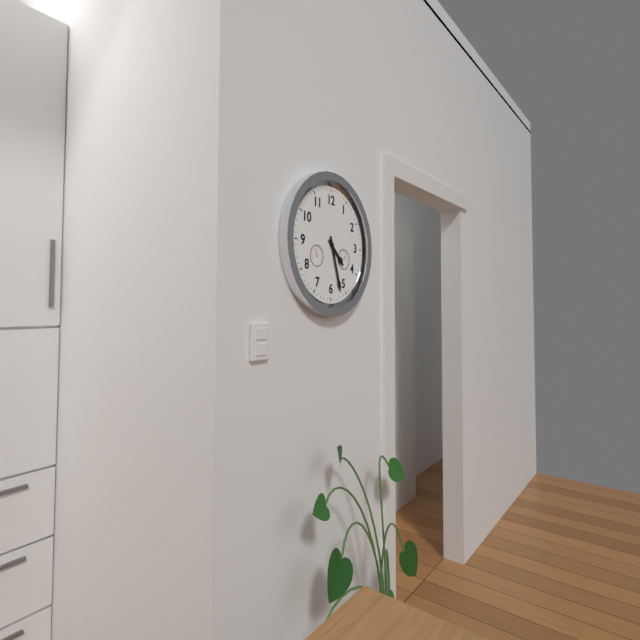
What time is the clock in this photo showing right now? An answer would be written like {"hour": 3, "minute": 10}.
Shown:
{"hour": 4, "minute": 27}
